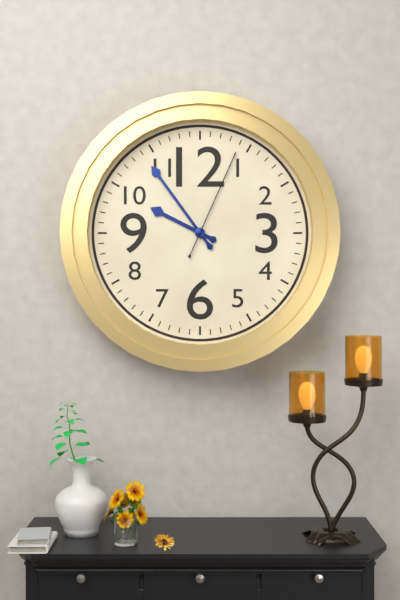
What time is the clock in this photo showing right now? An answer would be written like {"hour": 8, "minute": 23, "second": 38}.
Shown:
{"hour": 9, "minute": 54, "second": 4}
